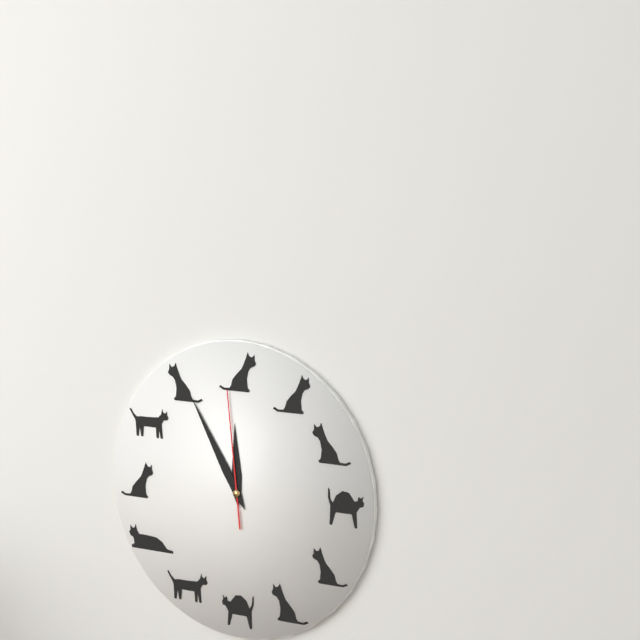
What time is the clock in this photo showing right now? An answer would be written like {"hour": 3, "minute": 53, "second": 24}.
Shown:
{"hour": 11, "minute": 55, "second": 59}
